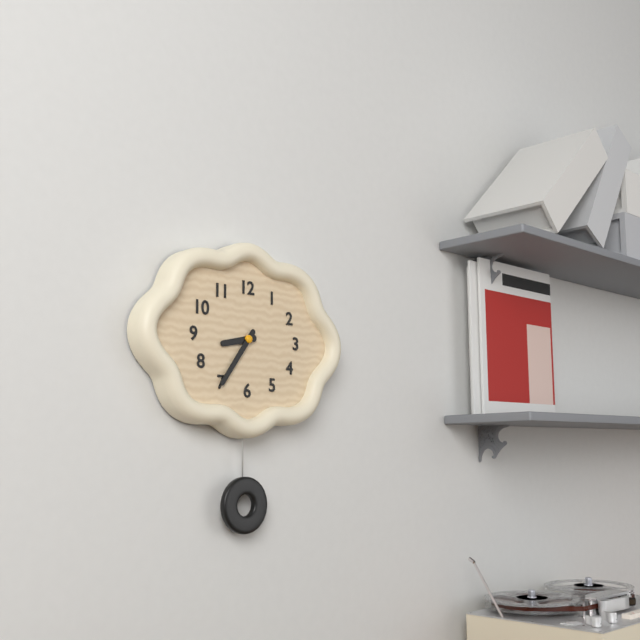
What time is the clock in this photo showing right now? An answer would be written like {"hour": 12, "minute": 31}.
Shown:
{"hour": 8, "minute": 36}
